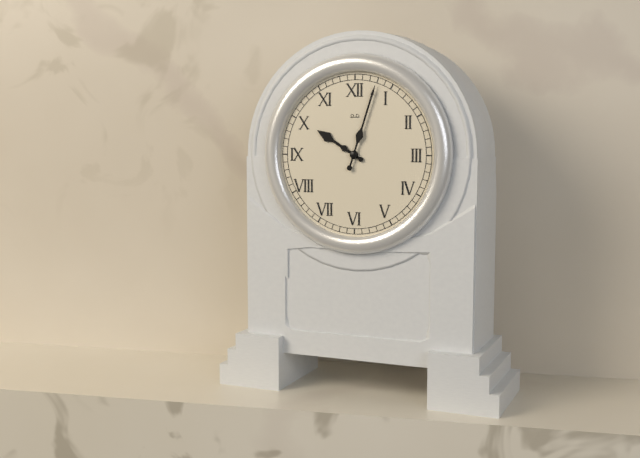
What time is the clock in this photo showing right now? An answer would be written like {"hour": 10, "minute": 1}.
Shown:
{"hour": 10, "minute": 3}
